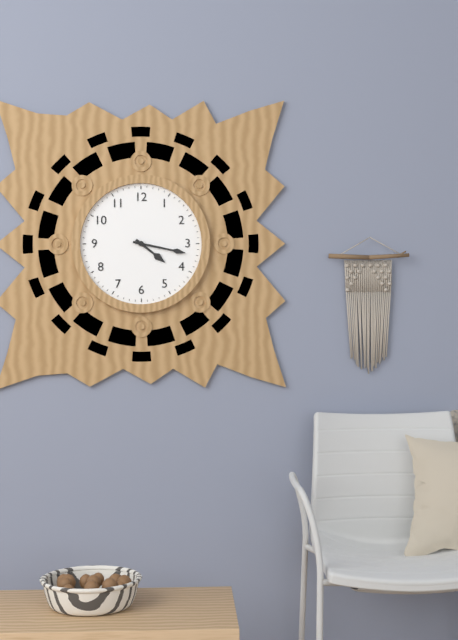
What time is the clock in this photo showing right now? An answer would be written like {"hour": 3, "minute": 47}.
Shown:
{"hour": 4, "minute": 17}
